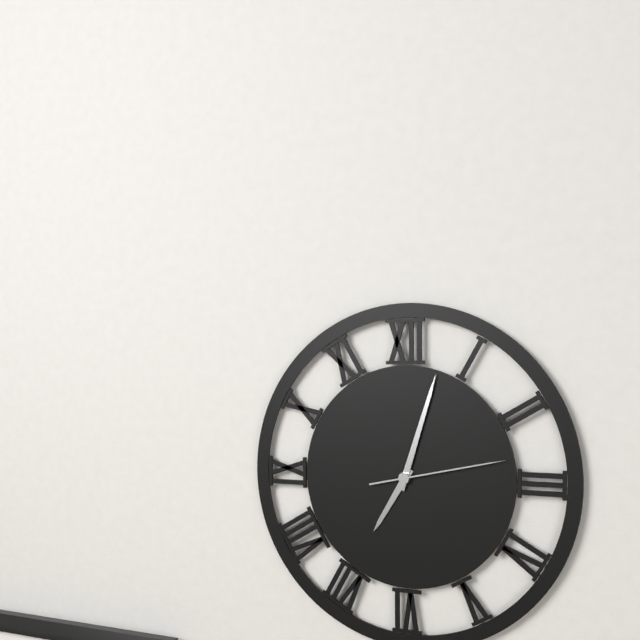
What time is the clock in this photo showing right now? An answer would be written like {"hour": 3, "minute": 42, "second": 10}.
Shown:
{"hour": 7, "minute": 3, "second": 13}
